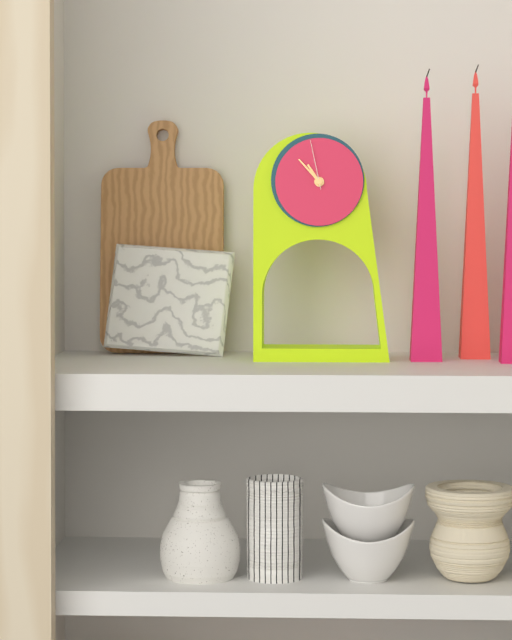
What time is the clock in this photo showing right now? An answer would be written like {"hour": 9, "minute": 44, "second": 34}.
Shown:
{"hour": 10, "minute": 53, "second": 58}
